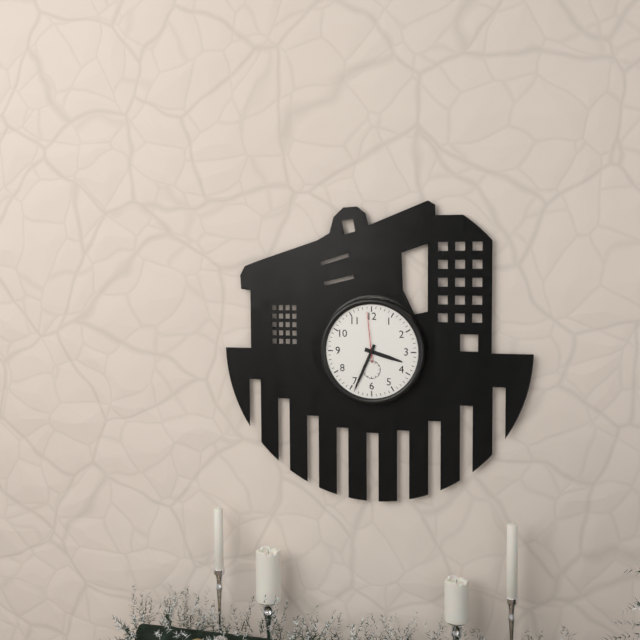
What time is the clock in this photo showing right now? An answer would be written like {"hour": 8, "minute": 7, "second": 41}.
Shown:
{"hour": 3, "minute": 34, "second": 59}
